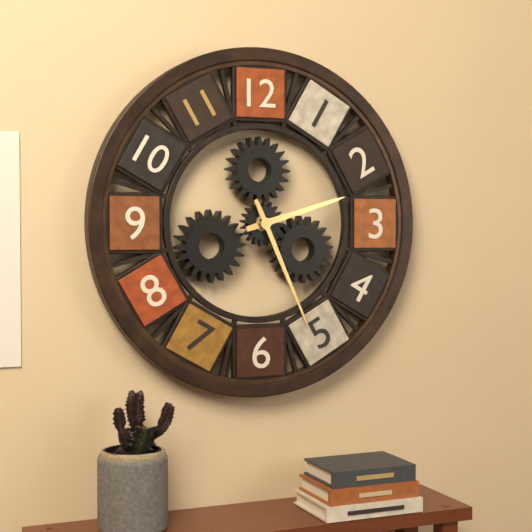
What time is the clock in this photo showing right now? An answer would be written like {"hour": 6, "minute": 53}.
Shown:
{"hour": 2, "minute": 26}
